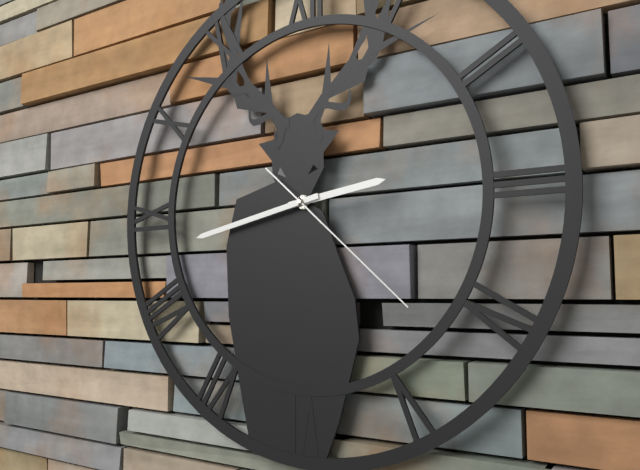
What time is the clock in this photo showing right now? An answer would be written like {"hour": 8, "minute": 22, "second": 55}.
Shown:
{"hour": 2, "minute": 43, "second": 22}
